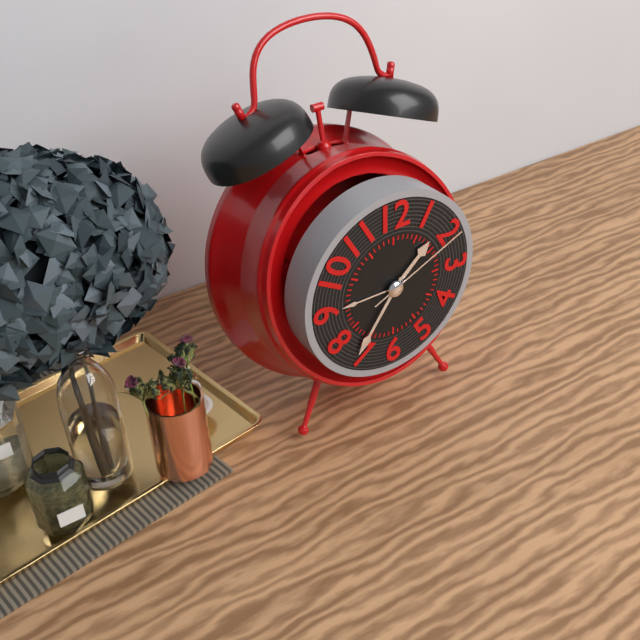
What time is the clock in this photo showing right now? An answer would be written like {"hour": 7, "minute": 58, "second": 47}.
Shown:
{"hour": 1, "minute": 36, "second": 11}
